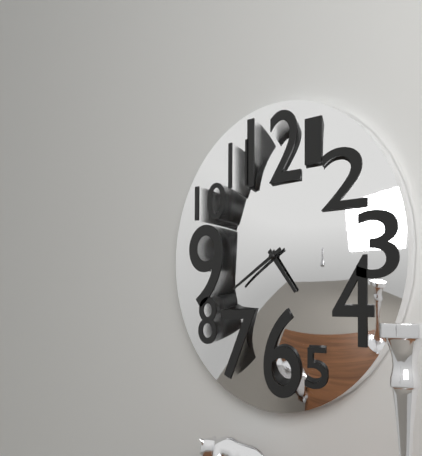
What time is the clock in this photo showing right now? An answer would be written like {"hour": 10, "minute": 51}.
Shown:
{"hour": 4, "minute": 40}
